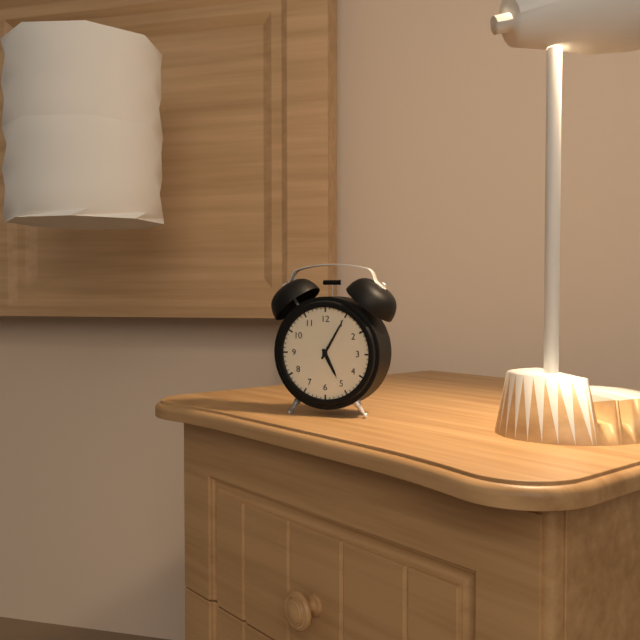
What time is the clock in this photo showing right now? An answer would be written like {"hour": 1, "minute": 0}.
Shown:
{"hour": 5, "minute": 5}
